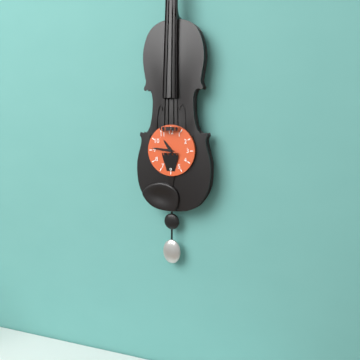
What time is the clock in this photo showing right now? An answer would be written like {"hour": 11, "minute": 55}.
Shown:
{"hour": 10, "minute": 46}
